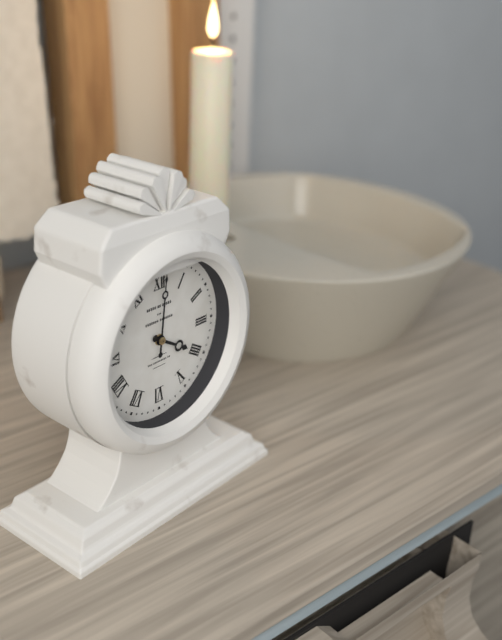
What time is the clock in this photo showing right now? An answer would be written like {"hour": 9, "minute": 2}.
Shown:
{"hour": 4, "minute": 1}
